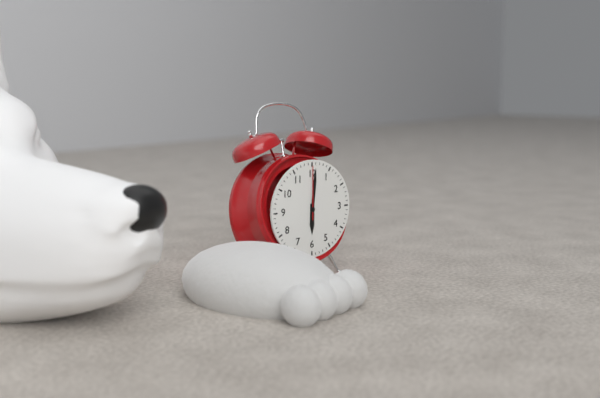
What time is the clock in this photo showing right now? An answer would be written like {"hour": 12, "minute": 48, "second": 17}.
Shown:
{"hour": 6, "minute": 1, "second": 0}
